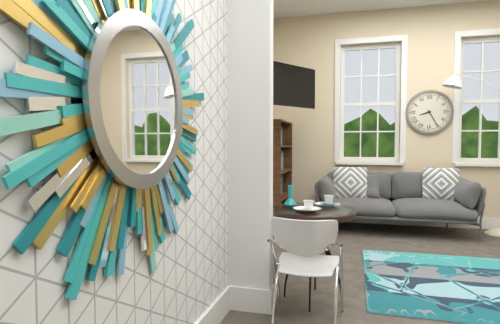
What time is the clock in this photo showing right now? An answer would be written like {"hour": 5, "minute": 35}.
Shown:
{"hour": 8, "minute": 25}
